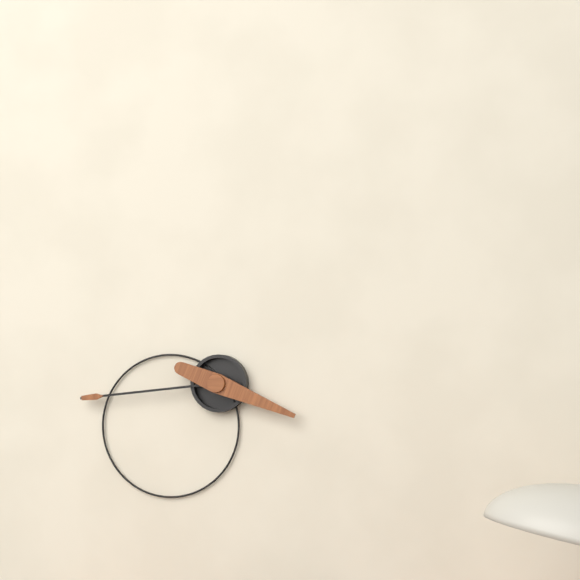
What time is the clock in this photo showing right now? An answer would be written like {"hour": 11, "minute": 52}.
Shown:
{"hour": 3, "minute": 44}
